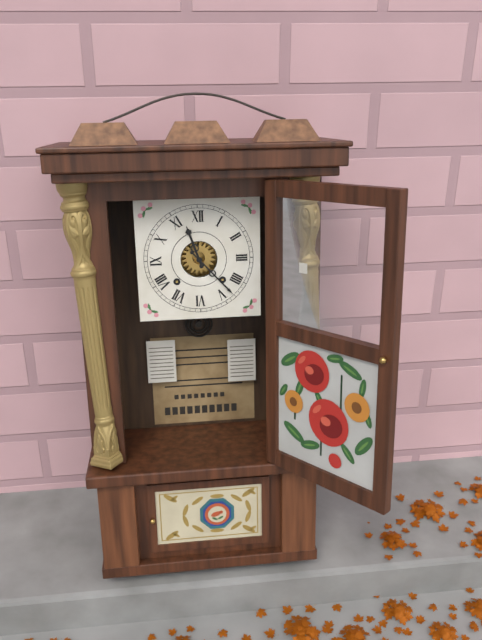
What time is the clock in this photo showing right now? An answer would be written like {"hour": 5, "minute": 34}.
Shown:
{"hour": 11, "minute": 23}
